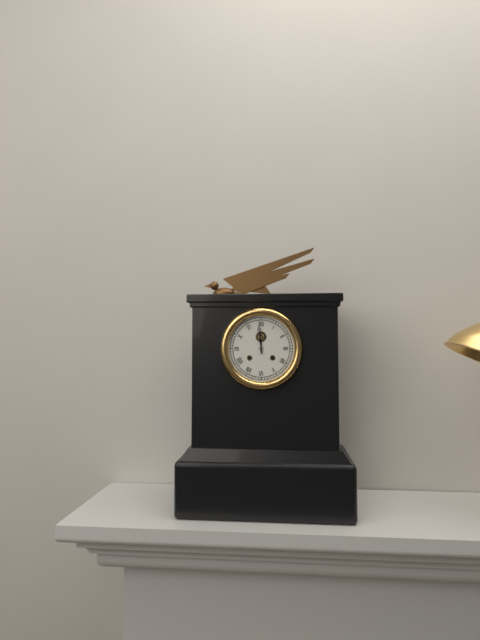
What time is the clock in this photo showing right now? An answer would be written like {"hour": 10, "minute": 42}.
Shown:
{"hour": 11, "minute": 59}
